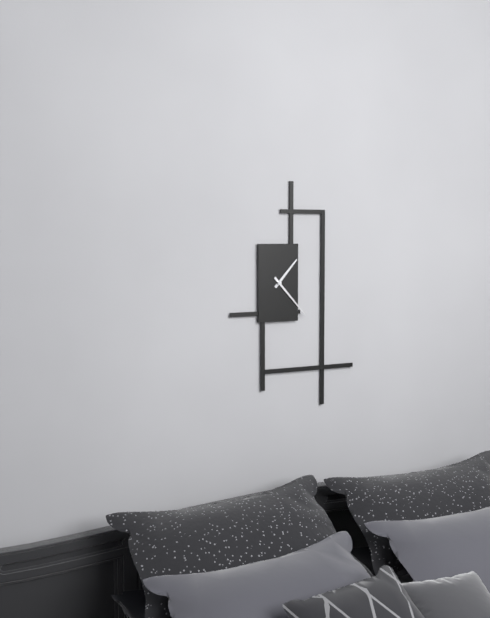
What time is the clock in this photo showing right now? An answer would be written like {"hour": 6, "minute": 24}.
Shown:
{"hour": 1, "minute": 23}
